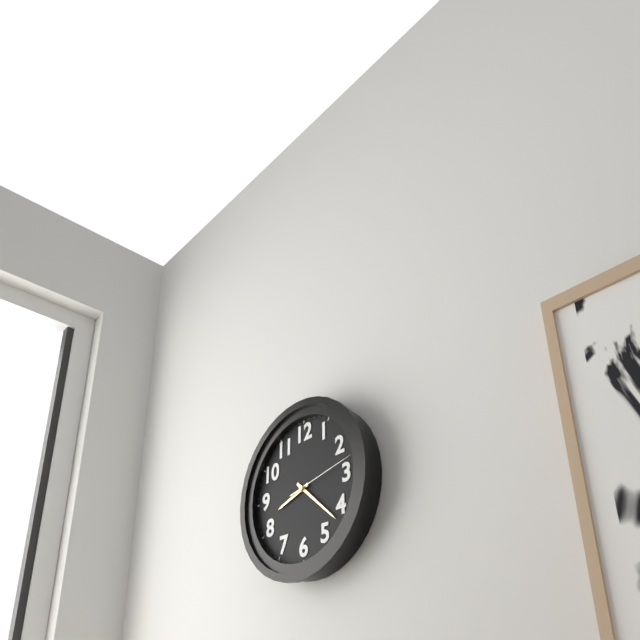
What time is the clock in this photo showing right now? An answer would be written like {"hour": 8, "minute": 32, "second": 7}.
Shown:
{"hour": 8, "minute": 22, "second": 13}
